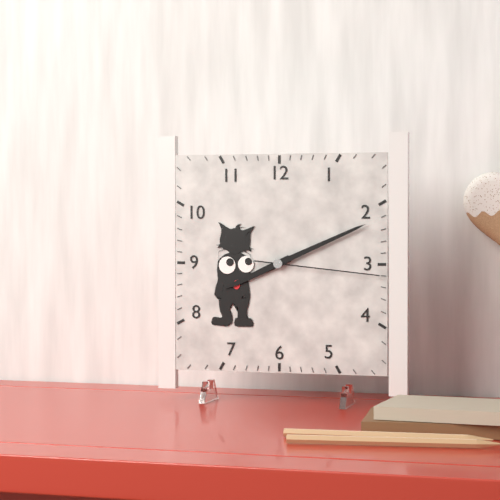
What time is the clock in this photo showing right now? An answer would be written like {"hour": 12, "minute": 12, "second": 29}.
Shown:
{"hour": 8, "minute": 11, "second": 16}
